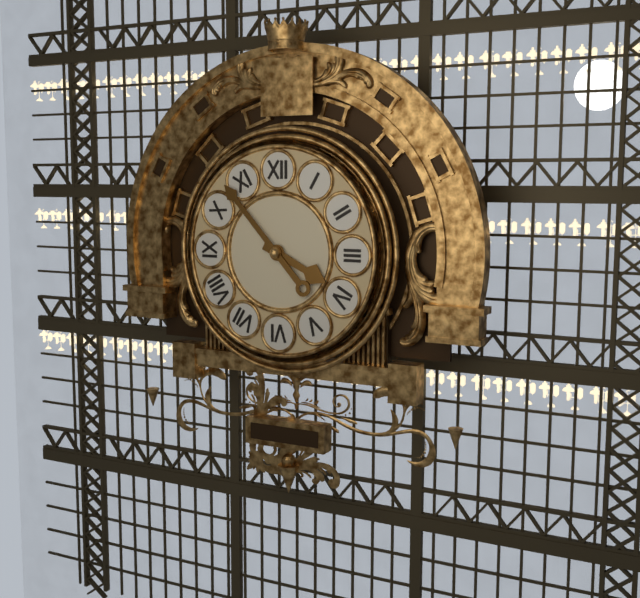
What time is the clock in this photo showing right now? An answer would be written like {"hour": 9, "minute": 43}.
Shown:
{"hour": 3, "minute": 53}
